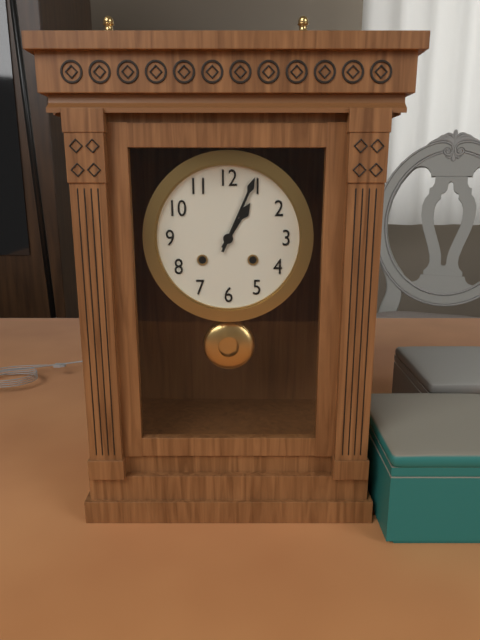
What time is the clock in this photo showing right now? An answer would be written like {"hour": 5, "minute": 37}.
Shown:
{"hour": 1, "minute": 4}
